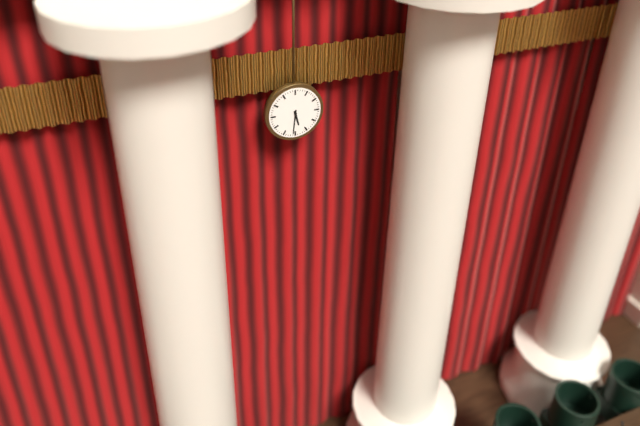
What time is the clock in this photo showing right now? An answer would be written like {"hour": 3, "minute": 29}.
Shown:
{"hour": 5, "minute": 31}
